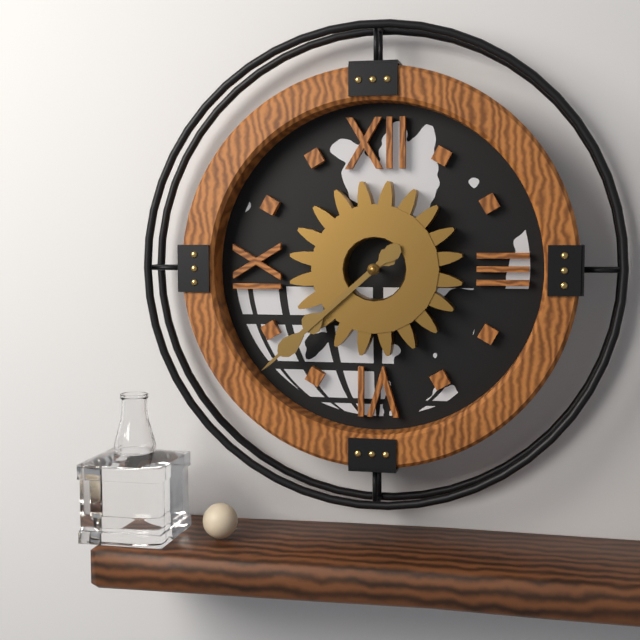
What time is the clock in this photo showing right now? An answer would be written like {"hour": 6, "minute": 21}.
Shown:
{"hour": 7, "minute": 38}
